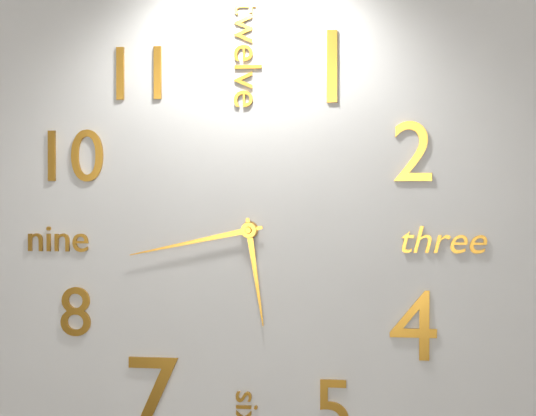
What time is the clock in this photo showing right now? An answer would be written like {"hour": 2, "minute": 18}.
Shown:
{"hour": 5, "minute": 43}
